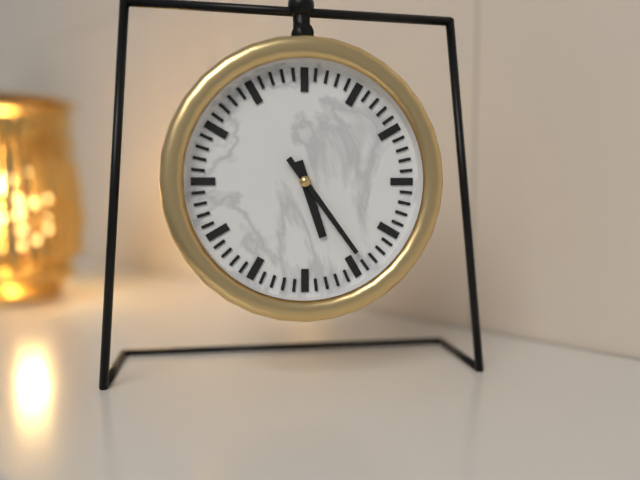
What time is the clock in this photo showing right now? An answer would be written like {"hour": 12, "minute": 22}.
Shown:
{"hour": 5, "minute": 24}
